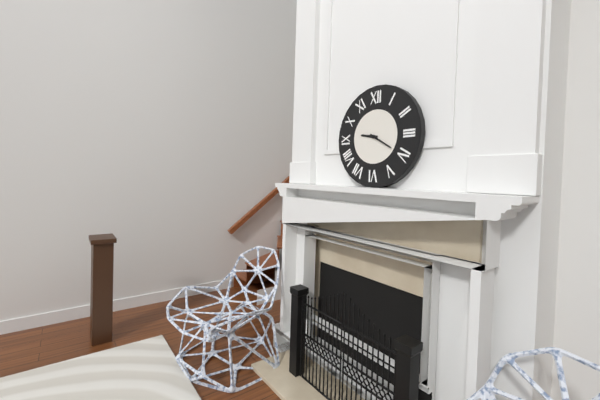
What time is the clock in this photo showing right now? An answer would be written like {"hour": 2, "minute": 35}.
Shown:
{"hour": 9, "minute": 20}
